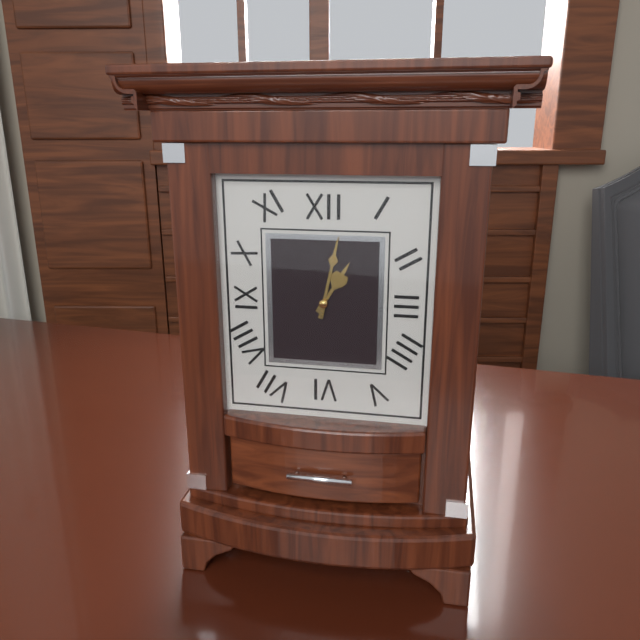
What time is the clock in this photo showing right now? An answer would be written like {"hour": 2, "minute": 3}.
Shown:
{"hour": 1, "minute": 2}
